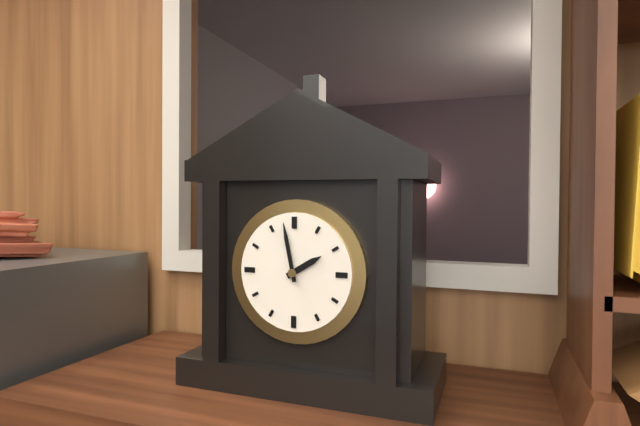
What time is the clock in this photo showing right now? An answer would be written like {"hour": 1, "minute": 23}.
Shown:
{"hour": 1, "minute": 58}
